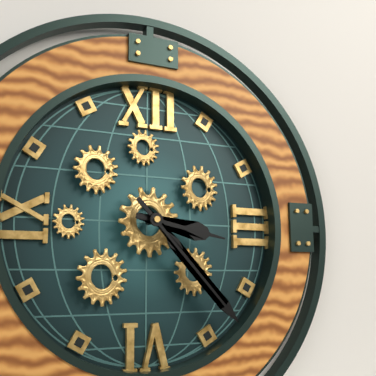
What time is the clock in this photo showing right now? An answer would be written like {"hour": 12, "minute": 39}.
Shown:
{"hour": 3, "minute": 23}
